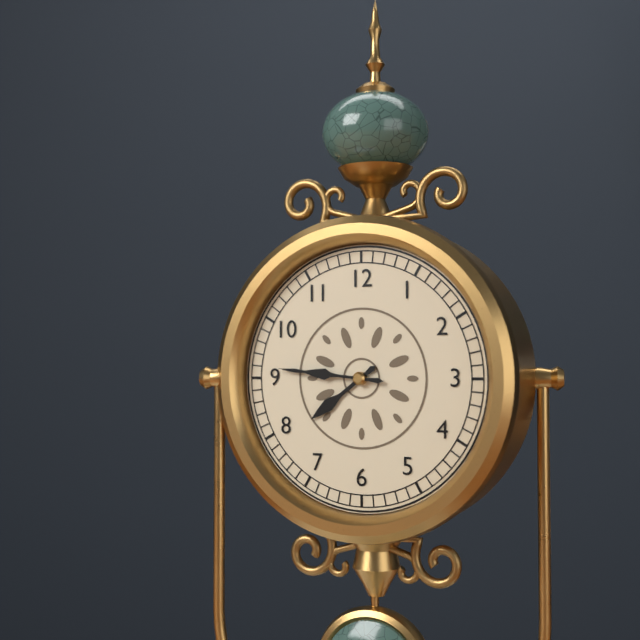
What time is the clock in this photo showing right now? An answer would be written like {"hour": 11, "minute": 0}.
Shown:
{"hour": 7, "minute": 46}
